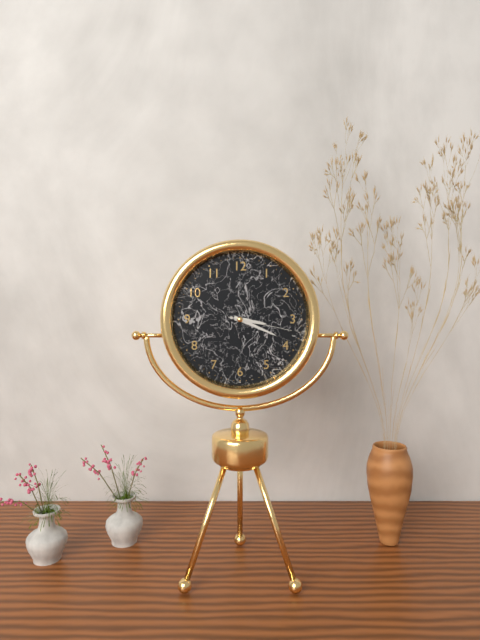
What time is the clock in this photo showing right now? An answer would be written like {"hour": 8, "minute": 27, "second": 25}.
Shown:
{"hour": 3, "minute": 19, "second": 17}
